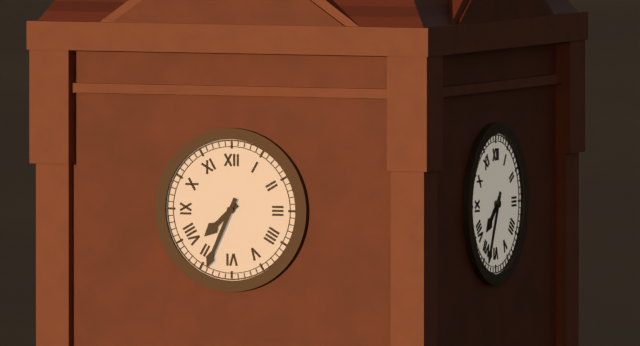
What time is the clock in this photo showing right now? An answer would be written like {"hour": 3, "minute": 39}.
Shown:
{"hour": 7, "minute": 34}
